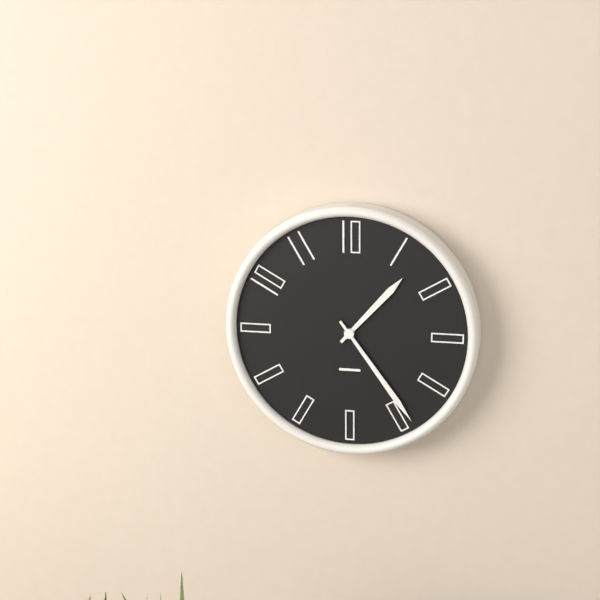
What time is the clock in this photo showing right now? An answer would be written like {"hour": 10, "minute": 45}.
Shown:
{"hour": 1, "minute": 24}
